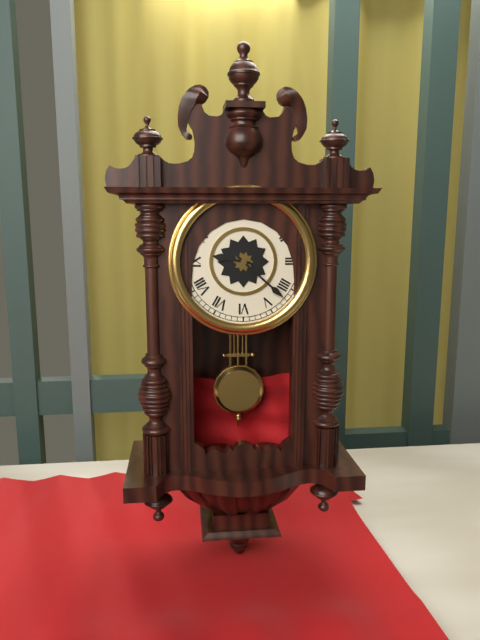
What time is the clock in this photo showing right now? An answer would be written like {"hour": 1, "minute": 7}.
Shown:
{"hour": 9, "minute": 22}
